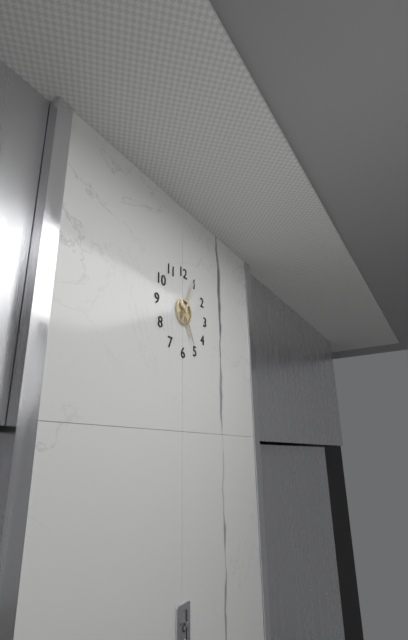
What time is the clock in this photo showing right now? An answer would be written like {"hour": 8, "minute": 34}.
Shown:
{"hour": 5, "minute": 4}
